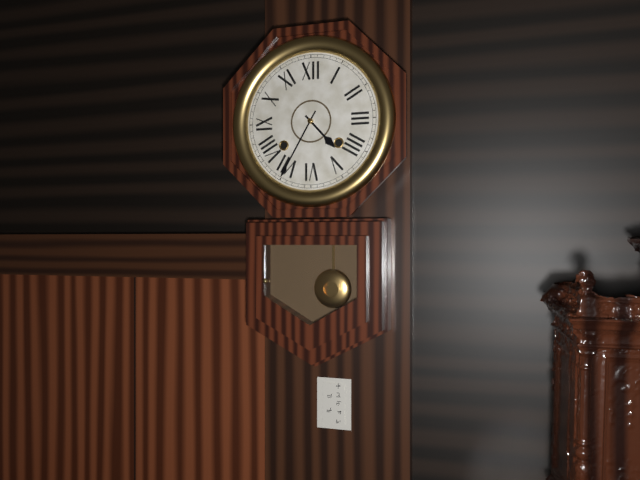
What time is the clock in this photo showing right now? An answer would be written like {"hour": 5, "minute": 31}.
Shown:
{"hour": 4, "minute": 35}
